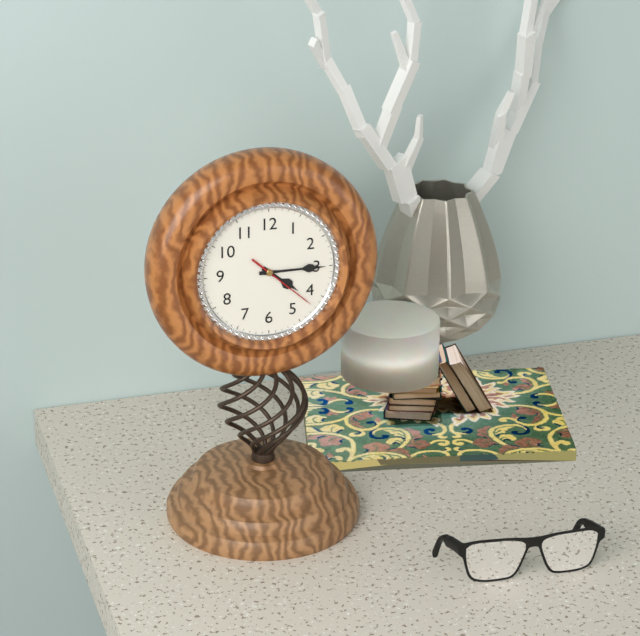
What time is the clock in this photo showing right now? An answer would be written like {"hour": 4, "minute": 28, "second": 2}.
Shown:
{"hour": 4, "minute": 15, "second": 22}
